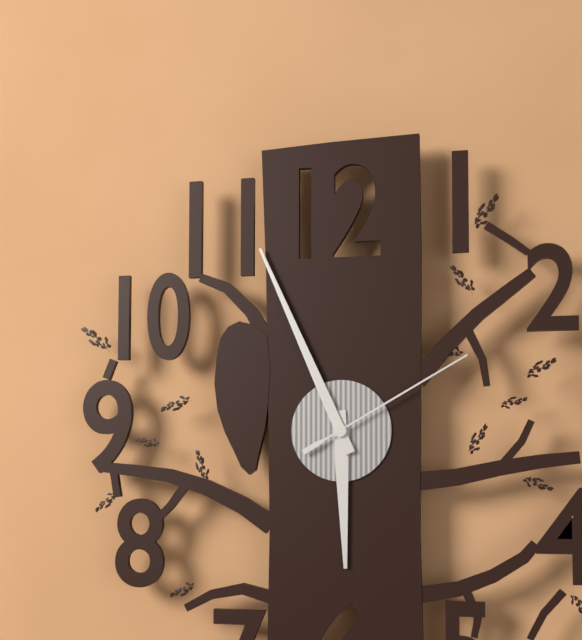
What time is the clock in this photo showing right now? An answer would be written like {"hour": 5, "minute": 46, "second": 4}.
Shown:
{"hour": 5, "minute": 56, "second": 10}
